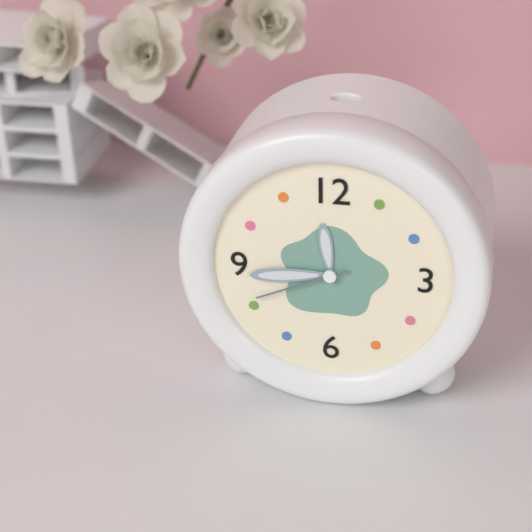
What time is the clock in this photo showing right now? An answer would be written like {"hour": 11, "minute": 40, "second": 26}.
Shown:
{"hour": 11, "minute": 44, "second": 41}
